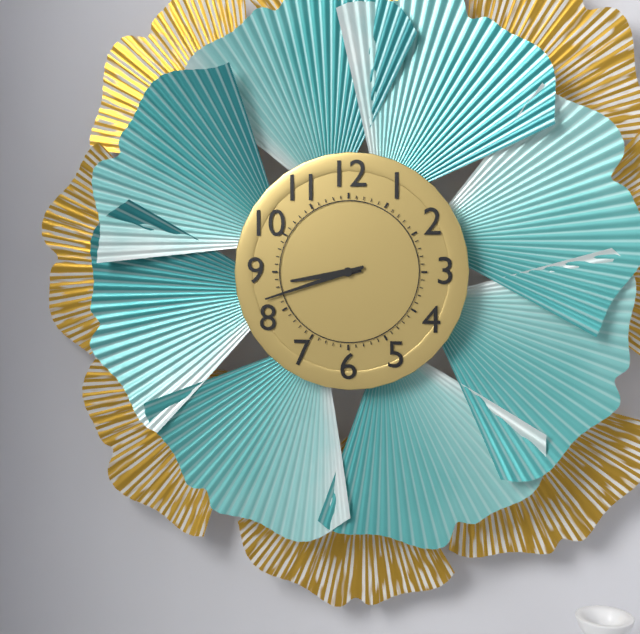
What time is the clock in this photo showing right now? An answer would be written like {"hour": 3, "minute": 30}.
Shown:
{"hour": 8, "minute": 42}
